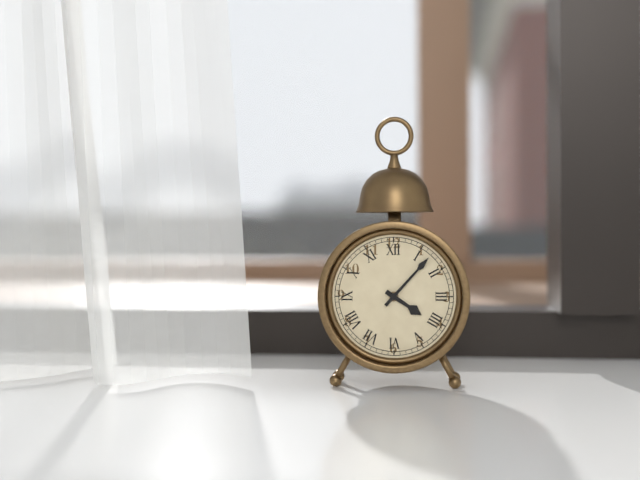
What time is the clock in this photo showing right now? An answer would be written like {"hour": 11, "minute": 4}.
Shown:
{"hour": 4, "minute": 7}
